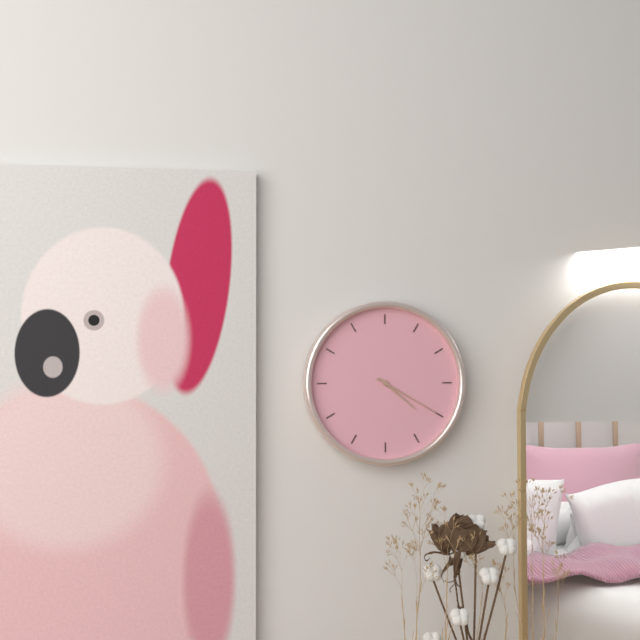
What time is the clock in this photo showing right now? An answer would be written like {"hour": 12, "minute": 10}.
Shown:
{"hour": 4, "minute": 20}
